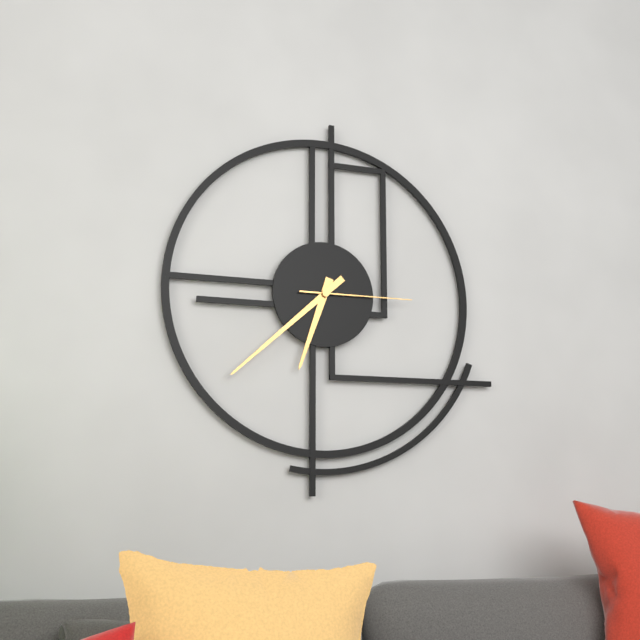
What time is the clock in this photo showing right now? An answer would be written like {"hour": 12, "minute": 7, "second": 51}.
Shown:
{"hour": 6, "minute": 38, "second": 15}
